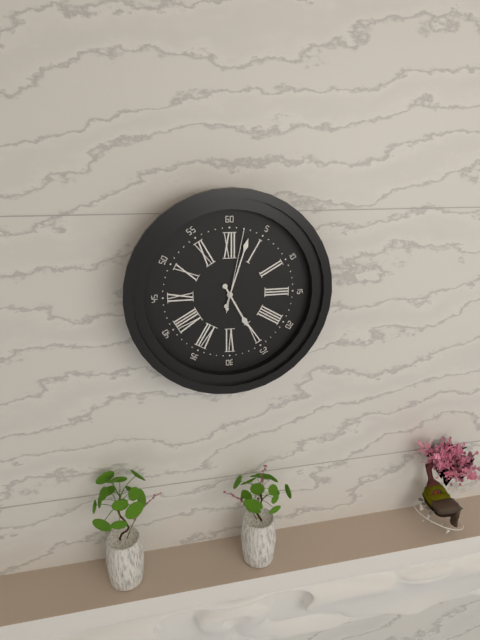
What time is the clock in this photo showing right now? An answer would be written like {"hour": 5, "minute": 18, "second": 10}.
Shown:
{"hour": 5, "minute": 3, "second": 2}
